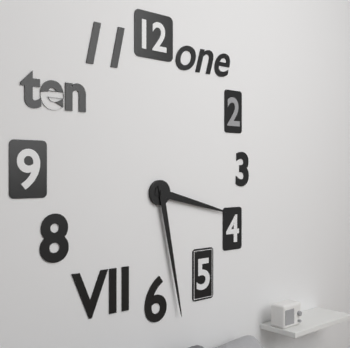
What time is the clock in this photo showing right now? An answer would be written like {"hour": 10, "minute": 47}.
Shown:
{"hour": 3, "minute": 28}
